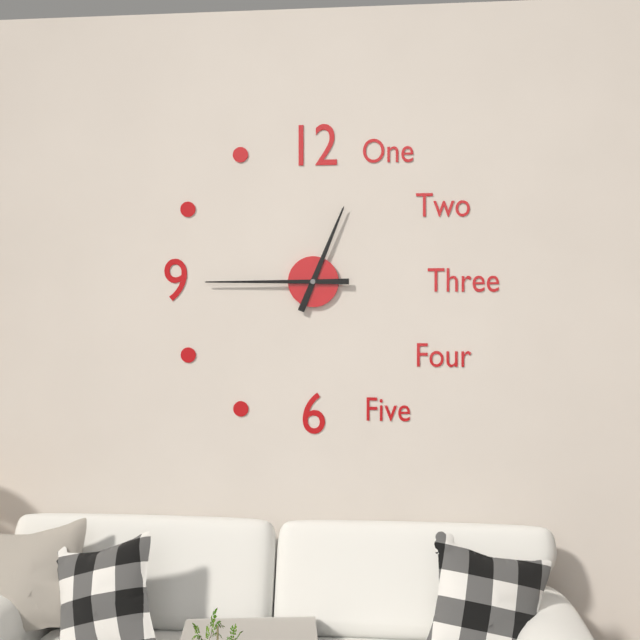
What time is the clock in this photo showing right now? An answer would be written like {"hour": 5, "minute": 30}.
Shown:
{"hour": 12, "minute": 45}
